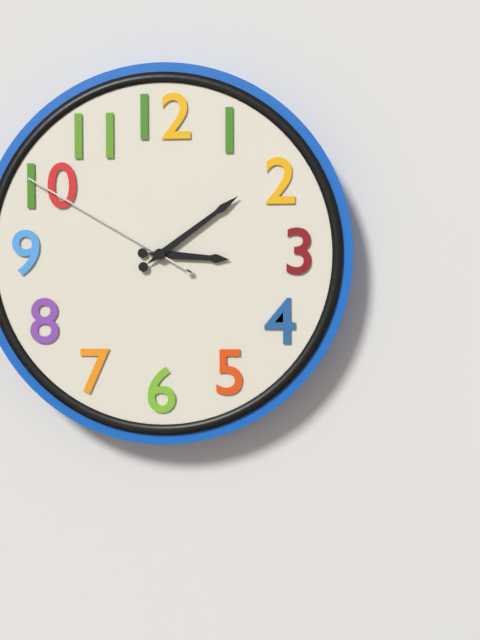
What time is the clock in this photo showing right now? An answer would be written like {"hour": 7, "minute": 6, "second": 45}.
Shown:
{"hour": 3, "minute": 9, "second": 50}
